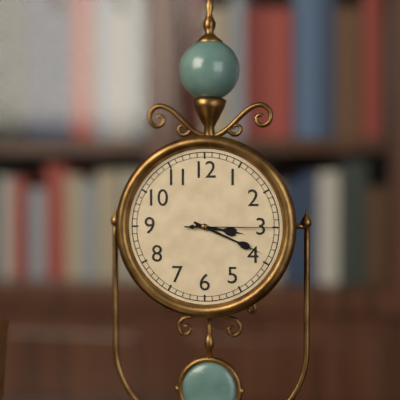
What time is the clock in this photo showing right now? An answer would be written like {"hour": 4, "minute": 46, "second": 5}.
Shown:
{"hour": 3, "minute": 19, "second": 15}
